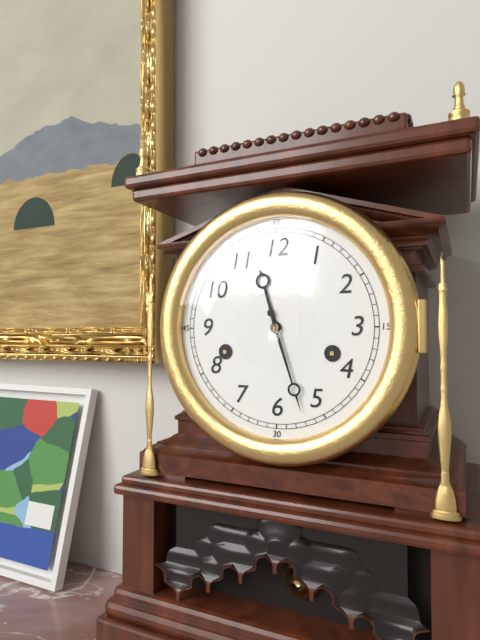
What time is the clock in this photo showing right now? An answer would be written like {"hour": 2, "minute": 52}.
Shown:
{"hour": 11, "minute": 27}
